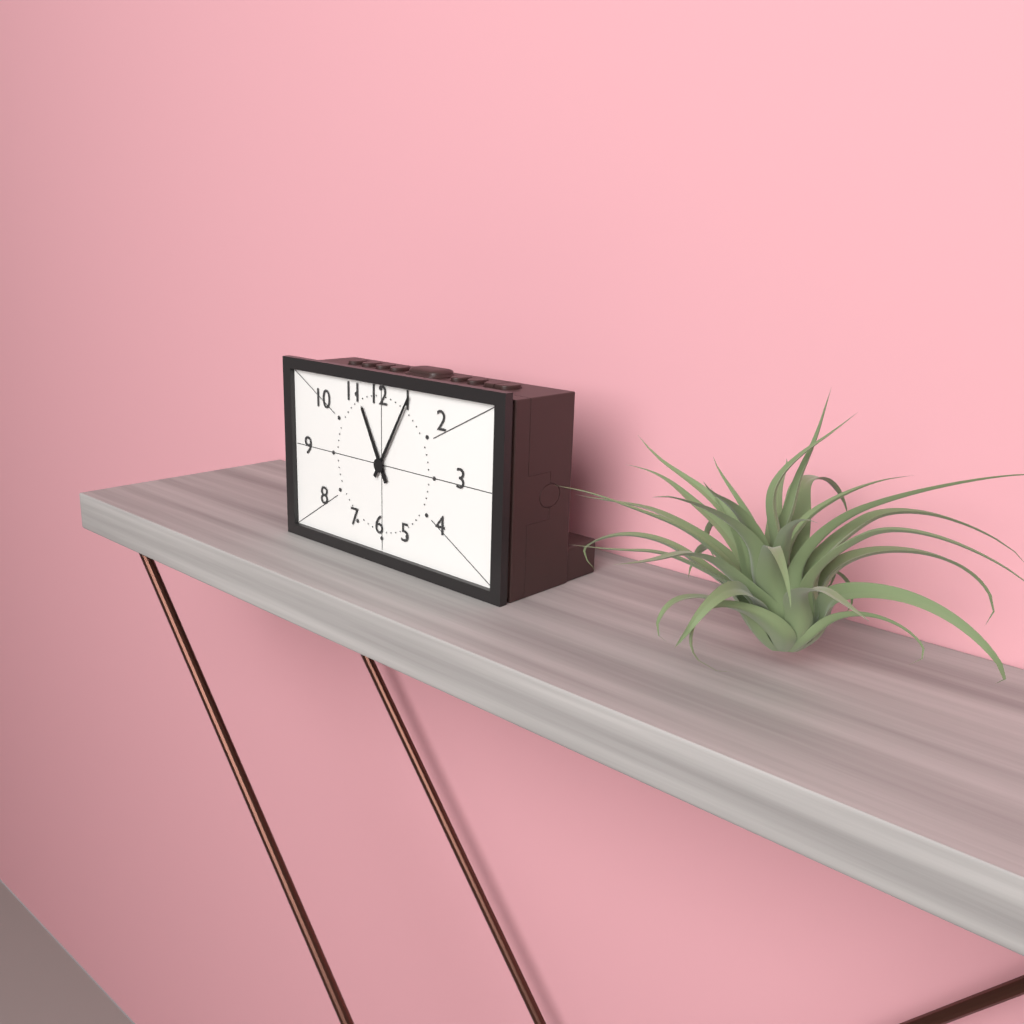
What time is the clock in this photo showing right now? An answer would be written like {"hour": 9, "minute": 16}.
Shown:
{"hour": 11, "minute": 5}
